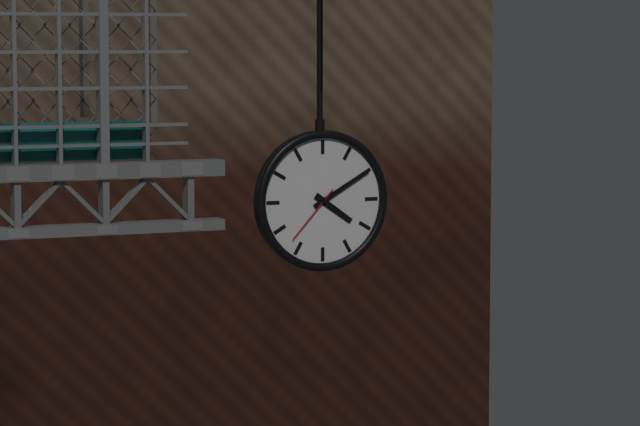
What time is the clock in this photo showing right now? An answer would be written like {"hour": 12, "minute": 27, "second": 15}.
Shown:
{"hour": 4, "minute": 10, "second": 37}
